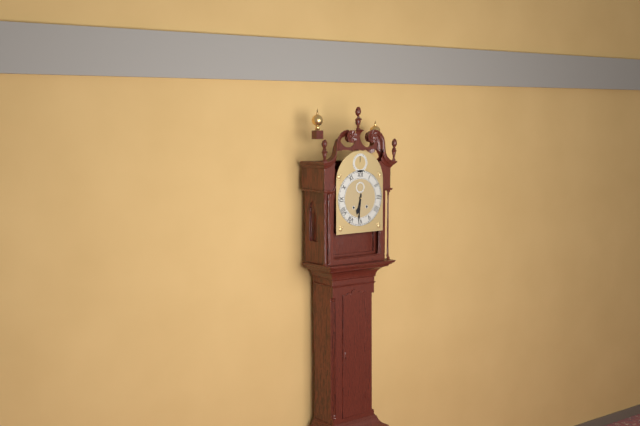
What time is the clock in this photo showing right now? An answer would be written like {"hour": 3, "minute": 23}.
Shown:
{"hour": 6, "minute": 31}
